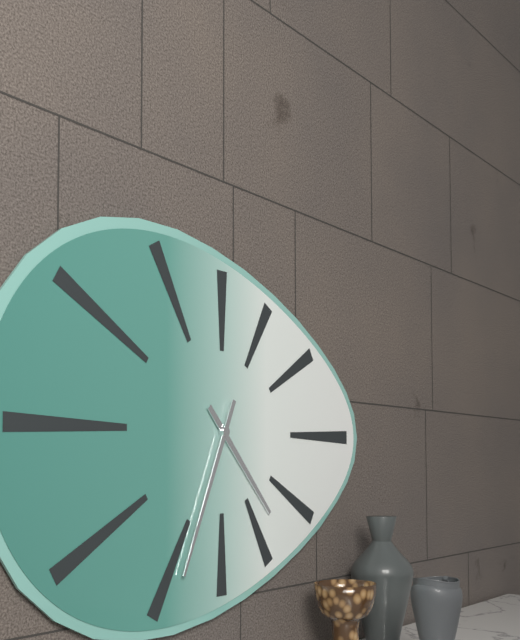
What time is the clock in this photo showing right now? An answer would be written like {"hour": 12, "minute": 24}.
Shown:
{"hour": 4, "minute": 34}
